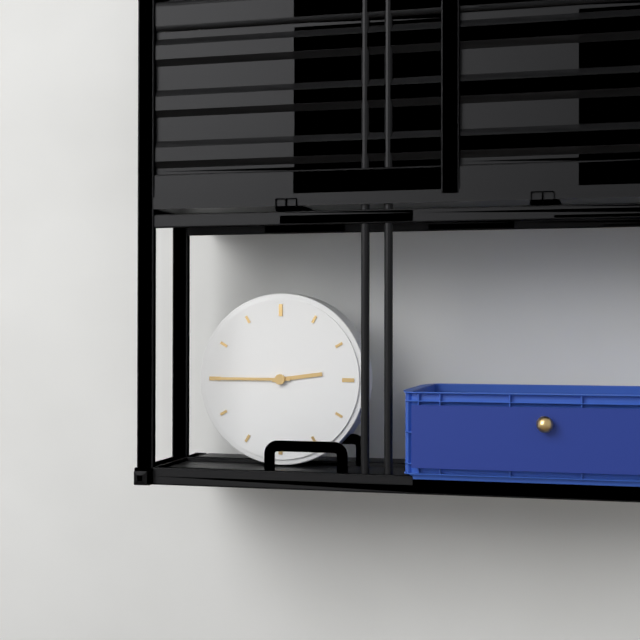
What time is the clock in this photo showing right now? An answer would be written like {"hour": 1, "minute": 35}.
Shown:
{"hour": 2, "minute": 45}
